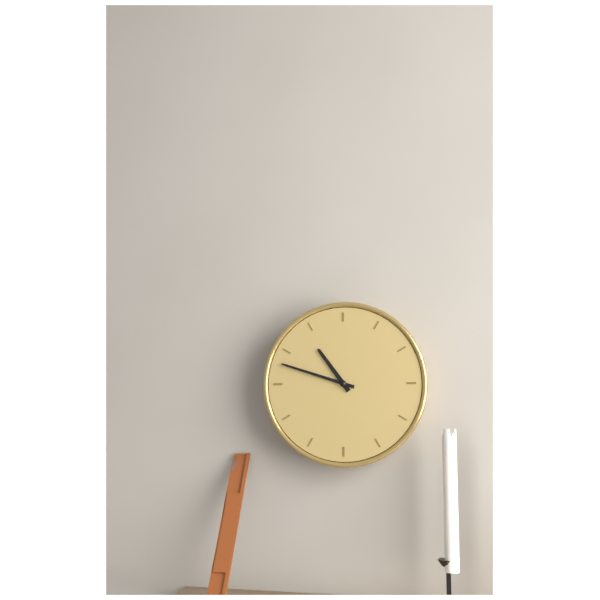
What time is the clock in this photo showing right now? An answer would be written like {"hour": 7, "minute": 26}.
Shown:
{"hour": 10, "minute": 48}
